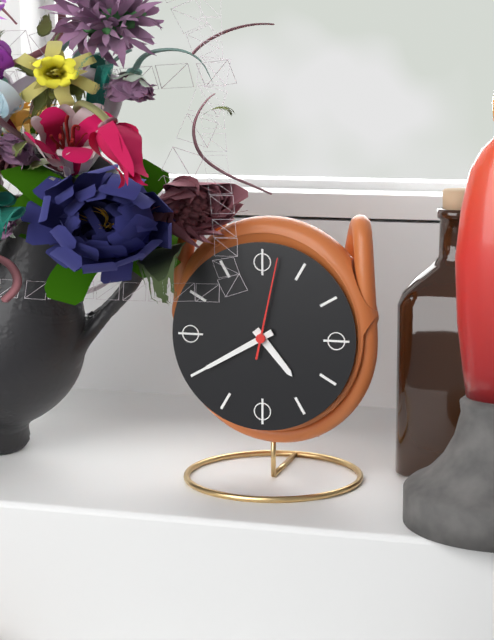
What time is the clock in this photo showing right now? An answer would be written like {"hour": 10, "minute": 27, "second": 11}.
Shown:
{"hour": 4, "minute": 40, "second": 2}
